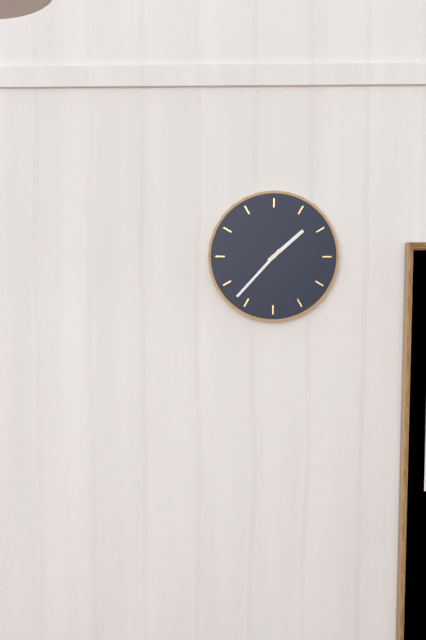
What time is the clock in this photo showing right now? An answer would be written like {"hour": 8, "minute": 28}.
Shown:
{"hour": 1, "minute": 37}
